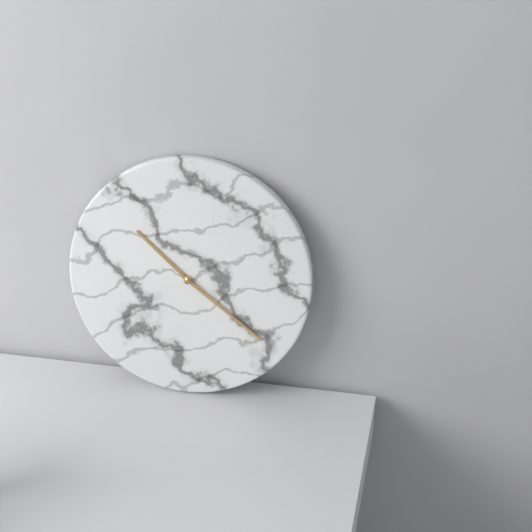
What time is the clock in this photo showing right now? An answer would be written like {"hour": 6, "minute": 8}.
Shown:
{"hour": 10, "minute": 21}
